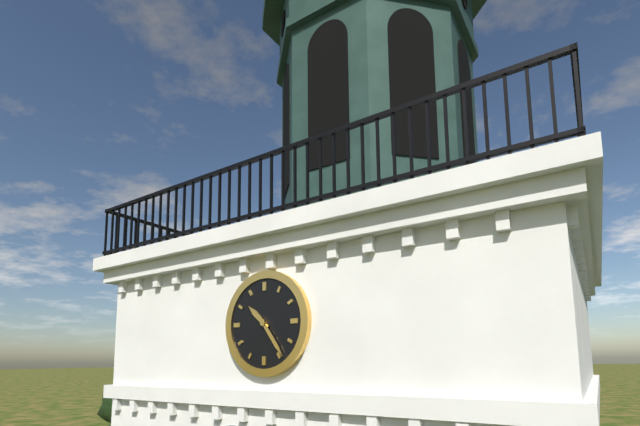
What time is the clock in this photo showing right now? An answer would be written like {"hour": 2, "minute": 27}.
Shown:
{"hour": 10, "minute": 24}
